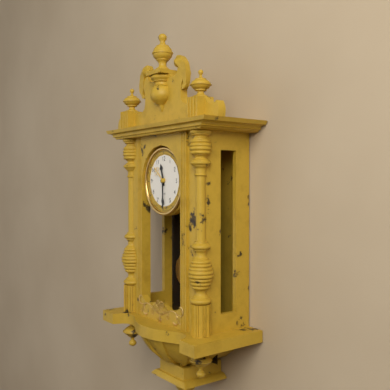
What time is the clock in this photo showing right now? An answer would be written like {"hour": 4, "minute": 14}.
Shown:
{"hour": 11, "minute": 30}
